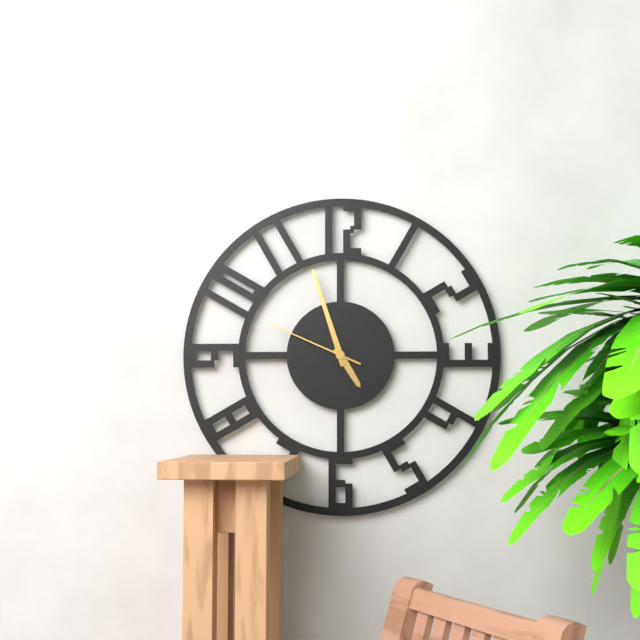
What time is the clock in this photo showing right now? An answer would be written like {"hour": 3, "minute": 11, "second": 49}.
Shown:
{"hour": 4, "minute": 57, "second": 49}
